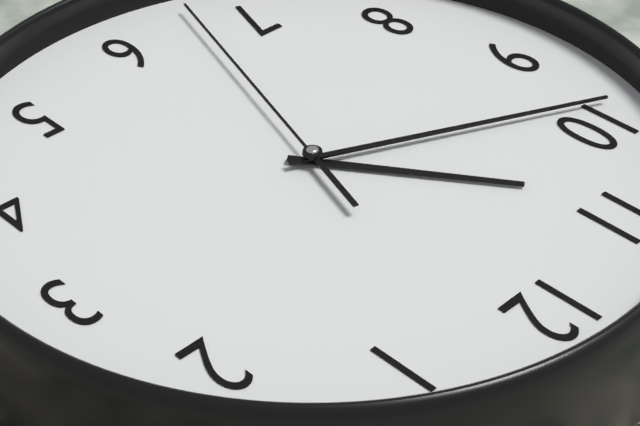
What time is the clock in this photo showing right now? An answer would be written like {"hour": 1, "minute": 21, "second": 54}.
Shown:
{"hour": 10, "minute": 49, "second": 33}
